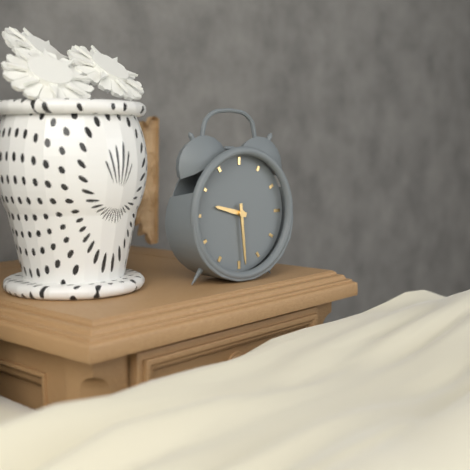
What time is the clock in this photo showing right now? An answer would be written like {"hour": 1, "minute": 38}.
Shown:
{"hour": 9, "minute": 29}
